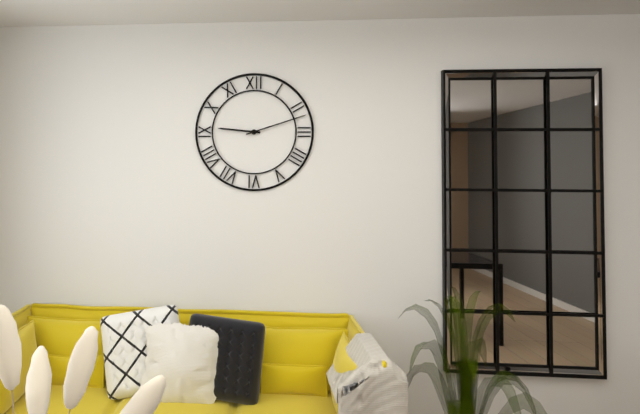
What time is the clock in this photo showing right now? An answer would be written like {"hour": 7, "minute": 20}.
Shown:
{"hour": 9, "minute": 12}
